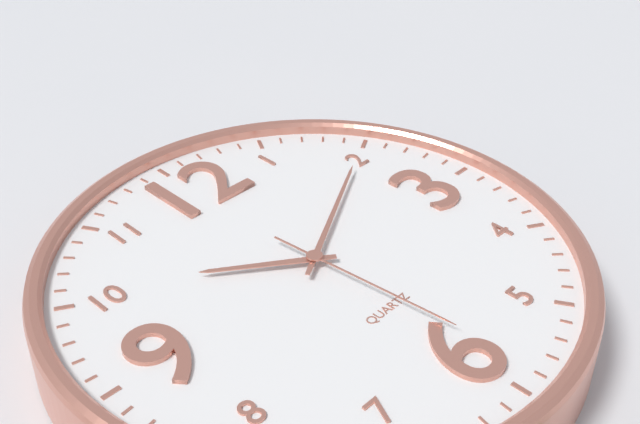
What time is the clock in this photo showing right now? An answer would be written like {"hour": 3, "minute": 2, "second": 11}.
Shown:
{"hour": 10, "minute": 10, "second": 29}
